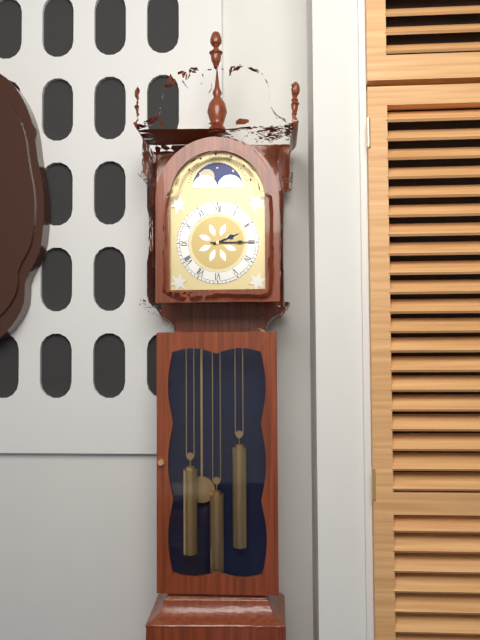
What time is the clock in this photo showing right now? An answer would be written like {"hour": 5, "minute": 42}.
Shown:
{"hour": 2, "minute": 15}
